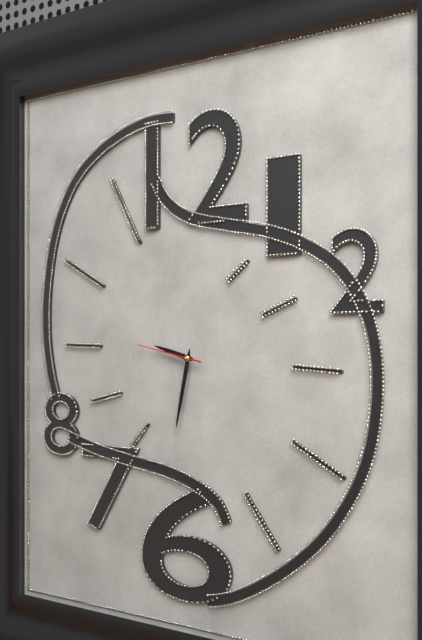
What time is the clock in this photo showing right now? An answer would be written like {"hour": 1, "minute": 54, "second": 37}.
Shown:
{"hour": 9, "minute": 32, "second": 47}
